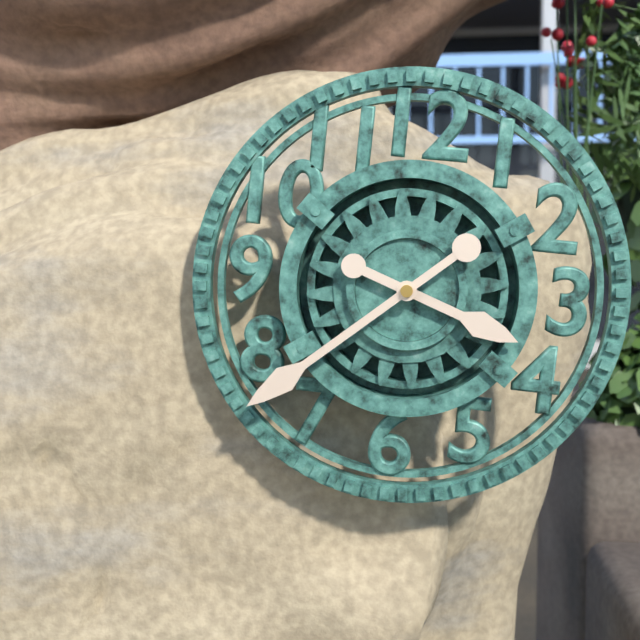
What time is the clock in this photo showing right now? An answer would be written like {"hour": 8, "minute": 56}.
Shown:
{"hour": 3, "minute": 38}
